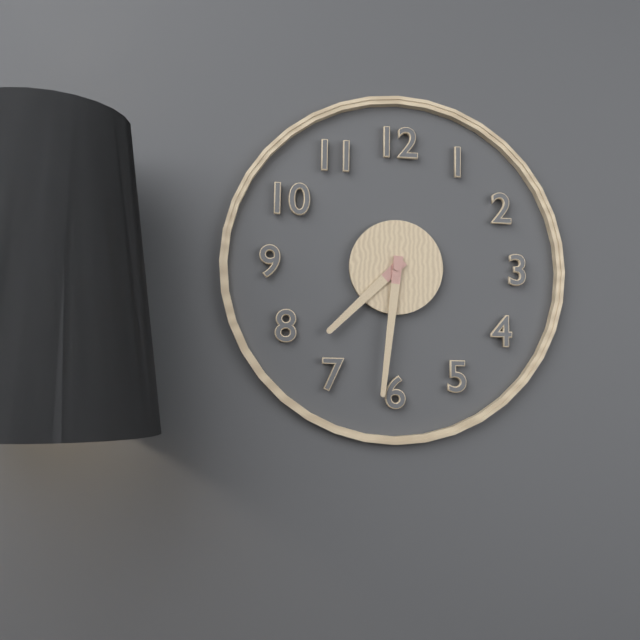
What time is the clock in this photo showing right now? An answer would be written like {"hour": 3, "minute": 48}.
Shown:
{"hour": 7, "minute": 31}
